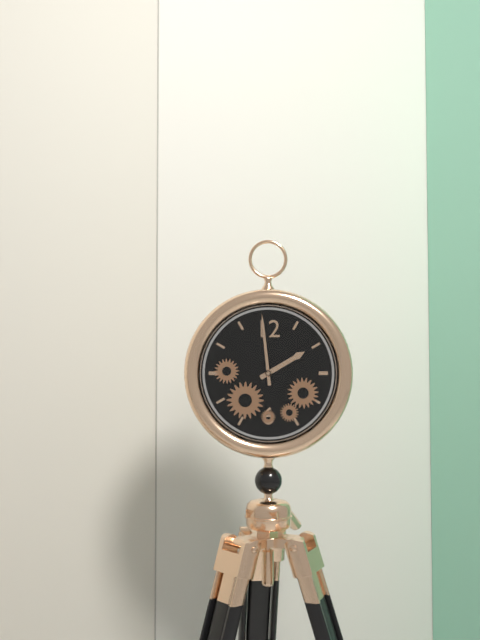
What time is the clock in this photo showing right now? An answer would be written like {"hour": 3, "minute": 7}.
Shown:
{"hour": 1, "minute": 59}
